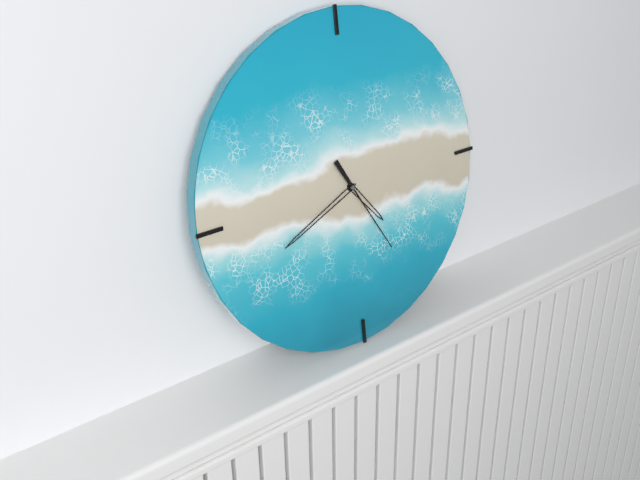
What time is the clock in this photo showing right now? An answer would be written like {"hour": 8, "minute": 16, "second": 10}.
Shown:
{"hour": 4, "minute": 41, "second": 25}
